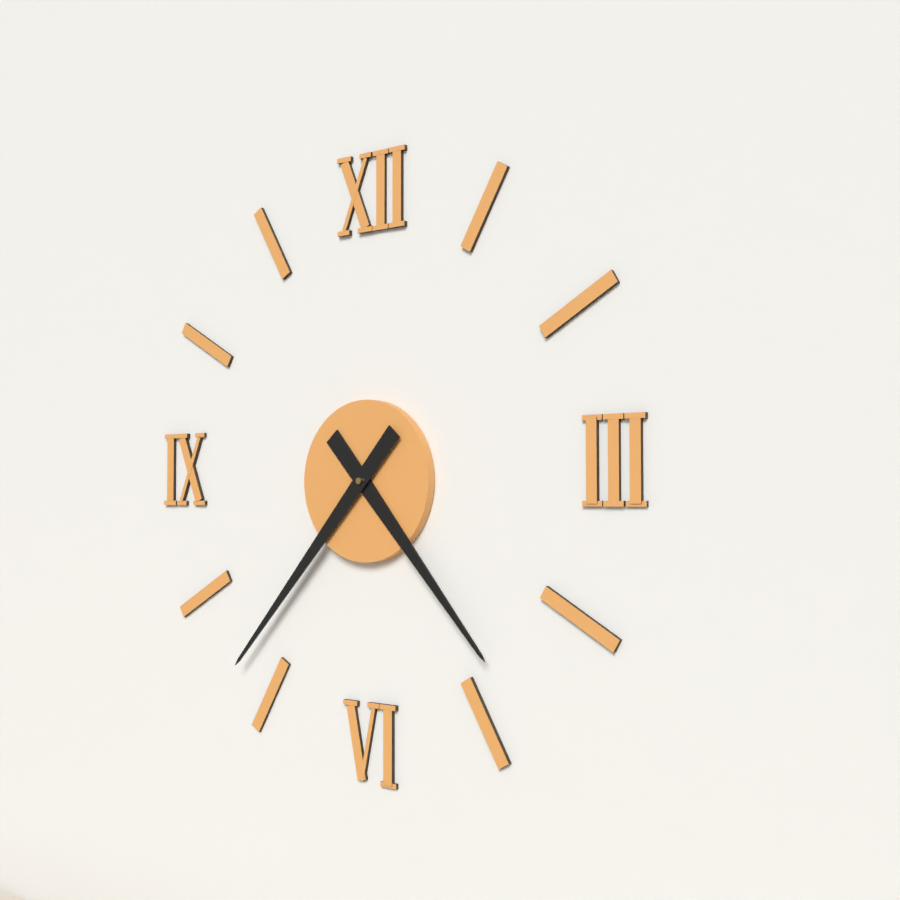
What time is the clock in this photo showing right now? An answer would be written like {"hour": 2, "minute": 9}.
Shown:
{"hour": 4, "minute": 37}
